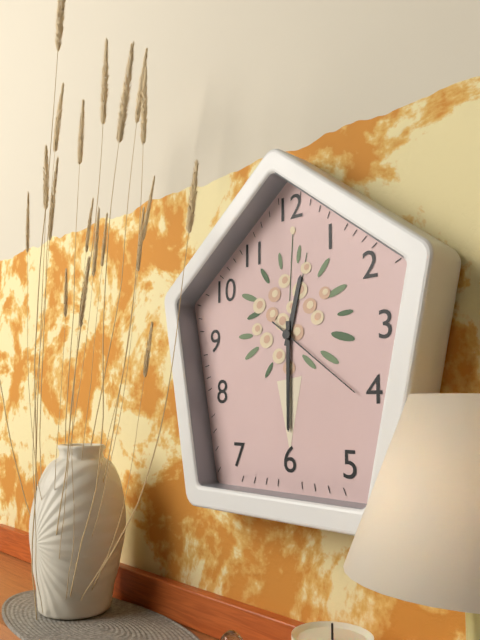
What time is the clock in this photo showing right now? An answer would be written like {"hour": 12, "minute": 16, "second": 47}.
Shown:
{"hour": 12, "minute": 30, "second": 21}
